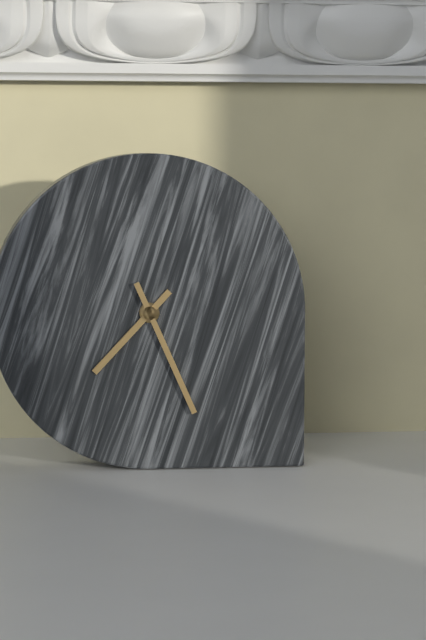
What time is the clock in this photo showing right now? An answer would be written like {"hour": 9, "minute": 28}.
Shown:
{"hour": 7, "minute": 26}
